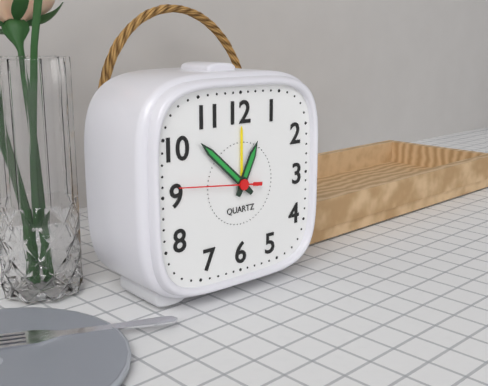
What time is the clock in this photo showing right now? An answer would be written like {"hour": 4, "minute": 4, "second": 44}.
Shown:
{"hour": 12, "minute": 52, "second": 46}
